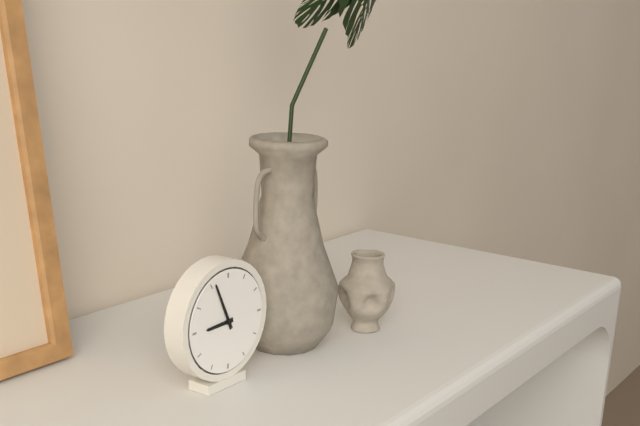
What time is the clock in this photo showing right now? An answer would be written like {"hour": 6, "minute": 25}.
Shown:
{"hour": 8, "minute": 56}
